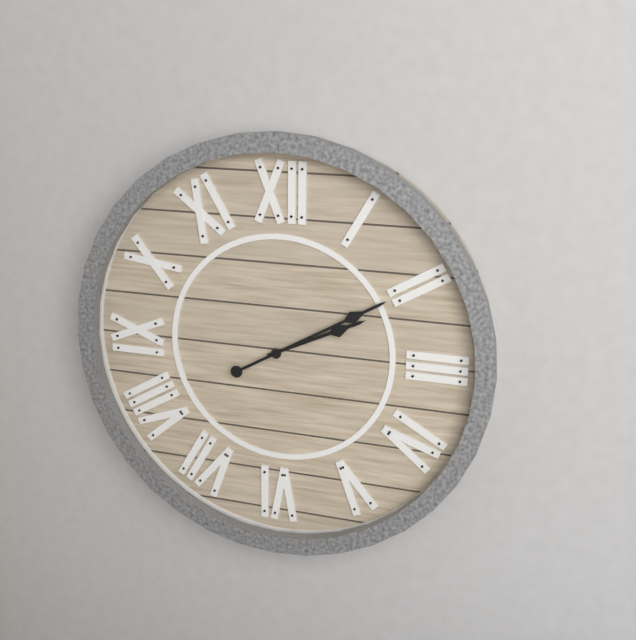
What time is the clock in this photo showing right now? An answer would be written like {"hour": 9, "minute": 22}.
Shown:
{"hour": 2, "minute": 10}
